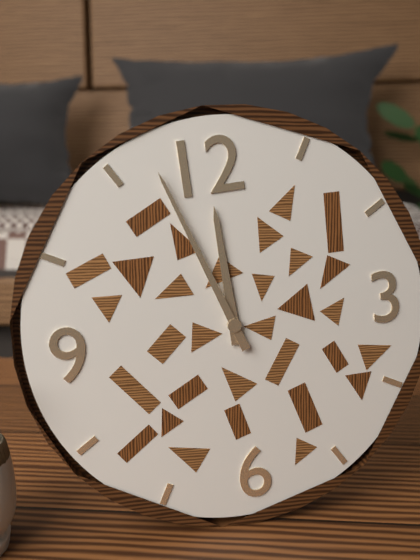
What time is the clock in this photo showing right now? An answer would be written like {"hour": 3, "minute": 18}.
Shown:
{"hour": 11, "minute": 57}
